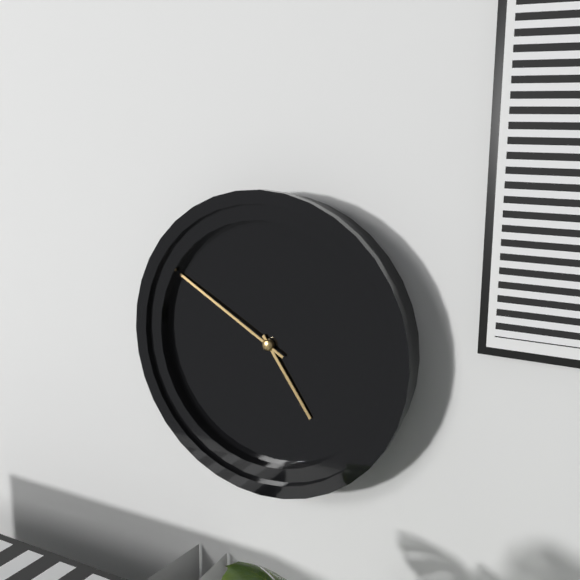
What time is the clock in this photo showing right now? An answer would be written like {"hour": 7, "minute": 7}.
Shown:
{"hour": 4, "minute": 50}
